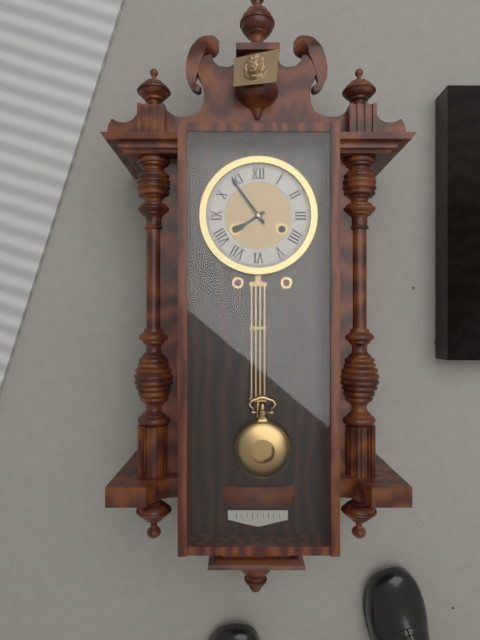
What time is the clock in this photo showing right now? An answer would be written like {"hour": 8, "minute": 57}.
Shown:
{"hour": 7, "minute": 54}
